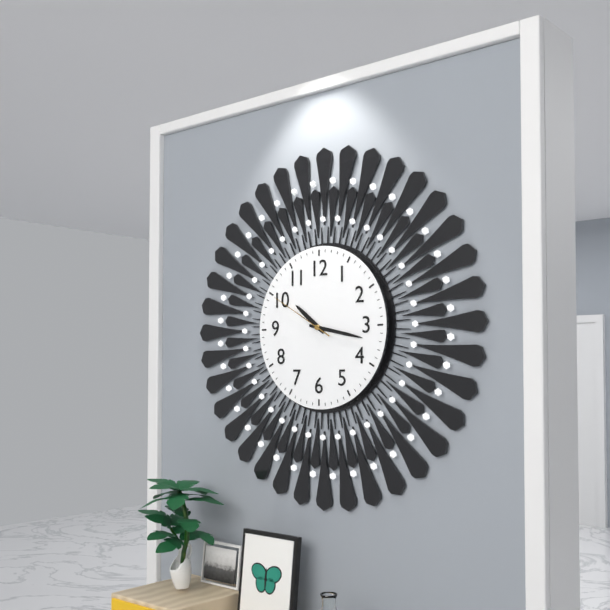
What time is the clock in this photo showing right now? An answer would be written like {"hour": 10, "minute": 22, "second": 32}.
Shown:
{"hour": 10, "minute": 17, "second": 50}
